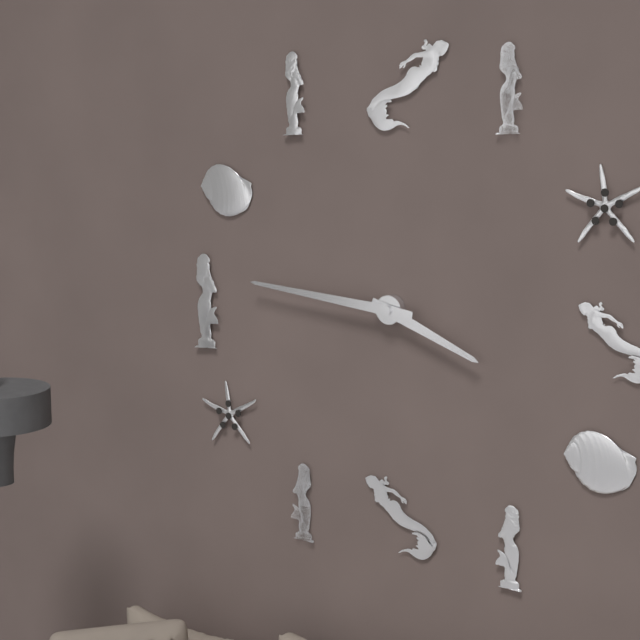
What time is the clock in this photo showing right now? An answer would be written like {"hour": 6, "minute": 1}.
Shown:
{"hour": 3, "minute": 46}
